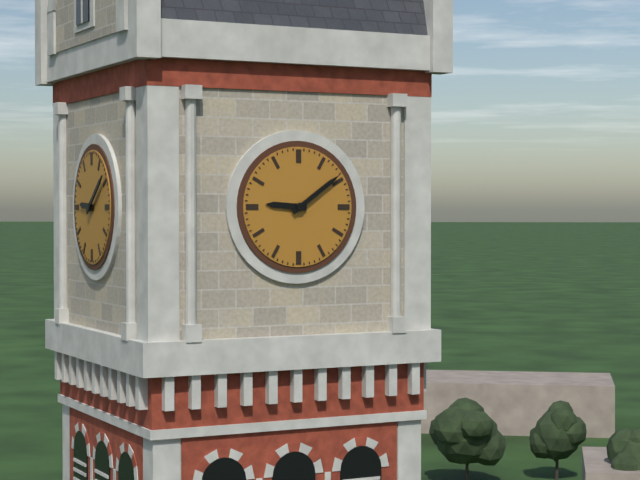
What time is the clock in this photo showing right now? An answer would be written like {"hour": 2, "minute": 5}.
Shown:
{"hour": 9, "minute": 9}
